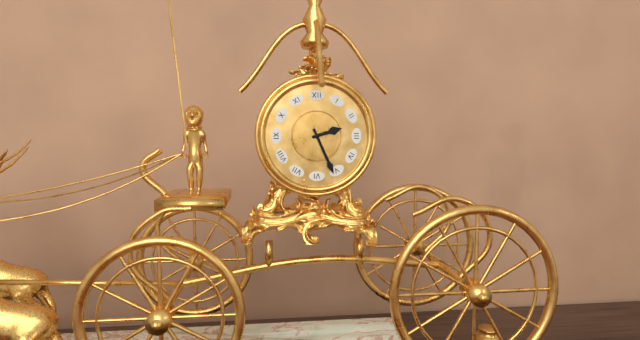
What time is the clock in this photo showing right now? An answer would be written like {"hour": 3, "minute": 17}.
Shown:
{"hour": 2, "minute": 26}
